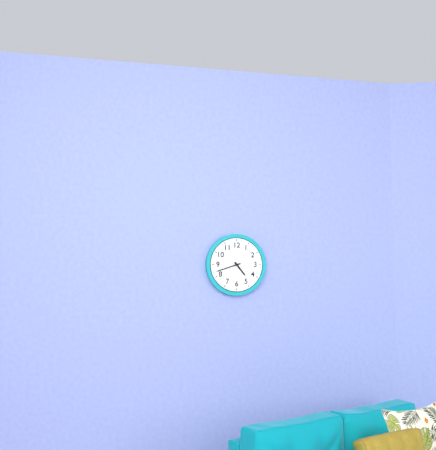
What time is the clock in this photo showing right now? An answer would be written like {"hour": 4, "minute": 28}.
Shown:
{"hour": 4, "minute": 42}
